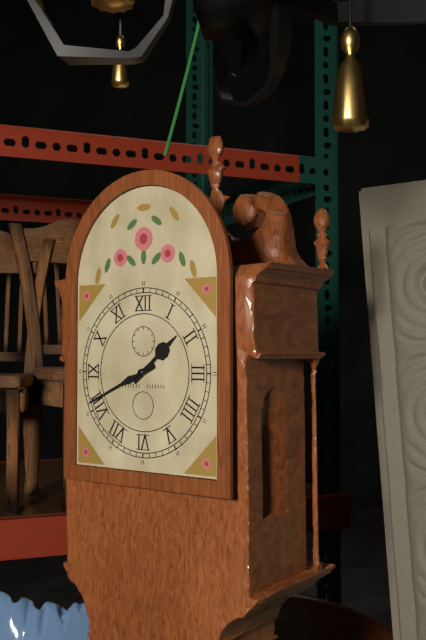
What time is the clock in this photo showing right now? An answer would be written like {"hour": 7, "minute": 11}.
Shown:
{"hour": 1, "minute": 41}
